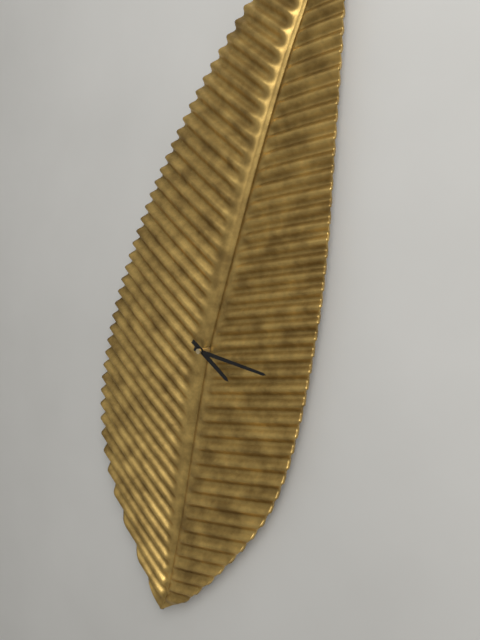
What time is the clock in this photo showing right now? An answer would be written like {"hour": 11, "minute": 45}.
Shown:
{"hour": 4, "minute": 17}
